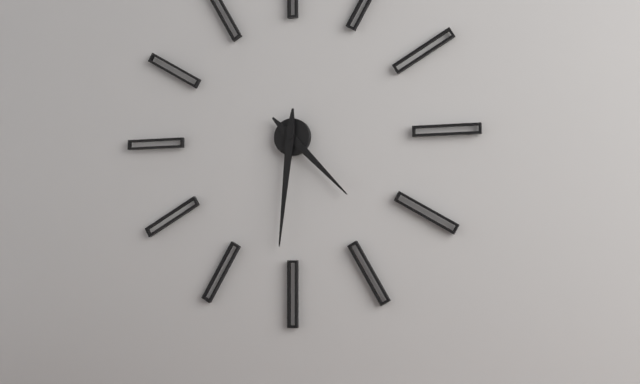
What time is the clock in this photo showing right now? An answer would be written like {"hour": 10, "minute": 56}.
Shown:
{"hour": 4, "minute": 31}
